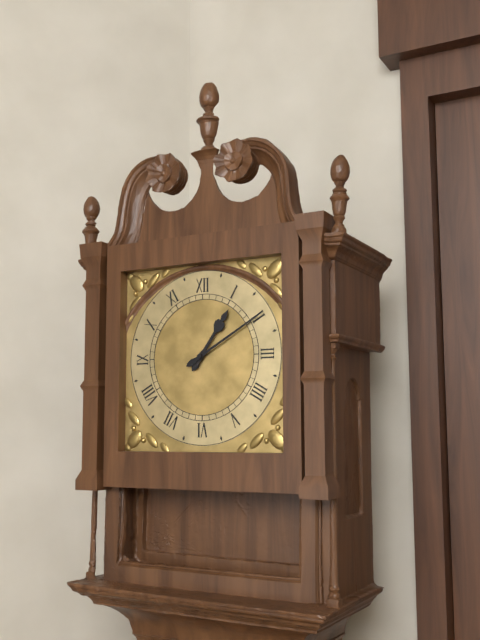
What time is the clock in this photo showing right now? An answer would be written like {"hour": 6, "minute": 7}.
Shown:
{"hour": 1, "minute": 10}
